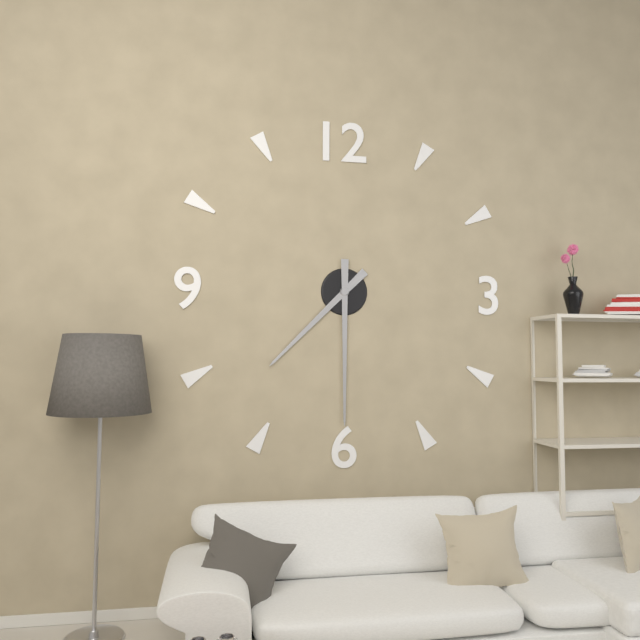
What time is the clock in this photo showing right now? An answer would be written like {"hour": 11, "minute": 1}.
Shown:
{"hour": 7, "minute": 30}
